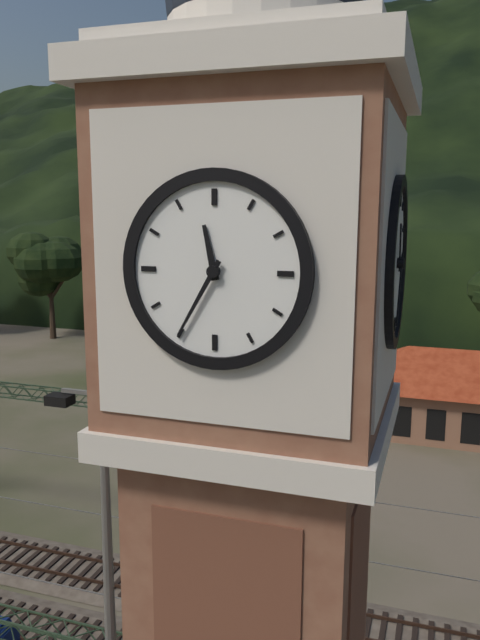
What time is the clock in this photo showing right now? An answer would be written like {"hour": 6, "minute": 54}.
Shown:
{"hour": 11, "minute": 35}
